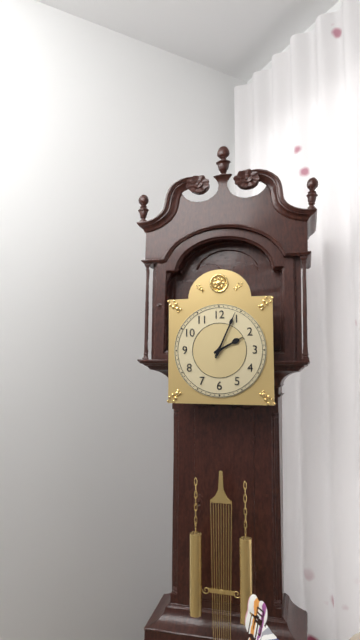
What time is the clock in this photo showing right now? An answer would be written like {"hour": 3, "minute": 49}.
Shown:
{"hour": 2, "minute": 4}
